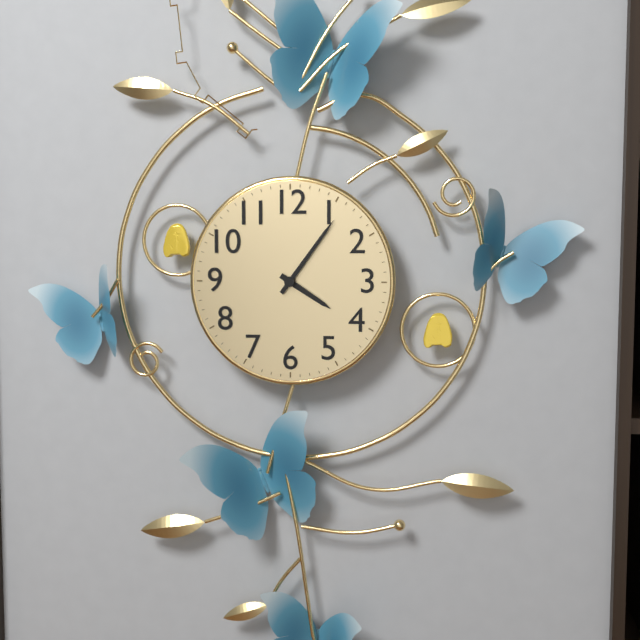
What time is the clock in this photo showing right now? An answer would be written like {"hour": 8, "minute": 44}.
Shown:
{"hour": 4, "minute": 6}
